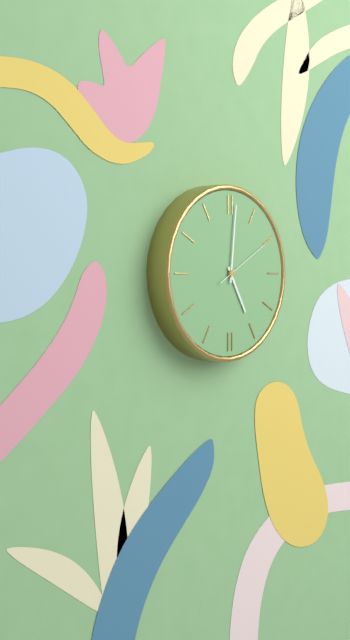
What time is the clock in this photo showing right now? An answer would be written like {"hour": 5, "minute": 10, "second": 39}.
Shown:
{"hour": 5, "minute": 1, "second": 10}
